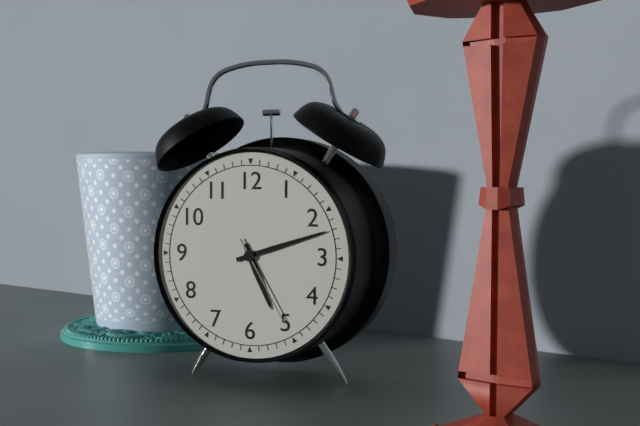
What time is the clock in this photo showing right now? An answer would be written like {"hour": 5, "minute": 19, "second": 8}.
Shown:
{"hour": 5, "minute": 12, "second": 25}
